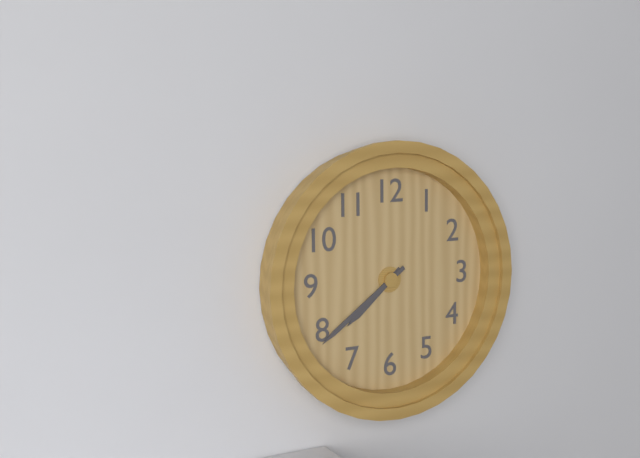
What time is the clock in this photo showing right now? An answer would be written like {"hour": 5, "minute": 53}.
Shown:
{"hour": 7, "minute": 39}
